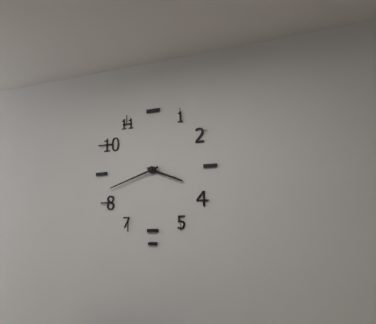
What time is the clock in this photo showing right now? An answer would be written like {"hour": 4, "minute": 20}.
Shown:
{"hour": 3, "minute": 42}
